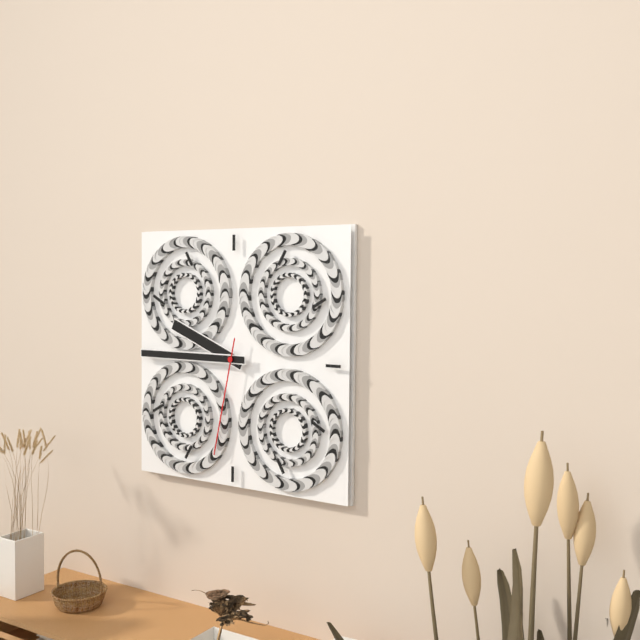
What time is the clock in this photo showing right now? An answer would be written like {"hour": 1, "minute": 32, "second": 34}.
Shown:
{"hour": 9, "minute": 45, "second": 32}
